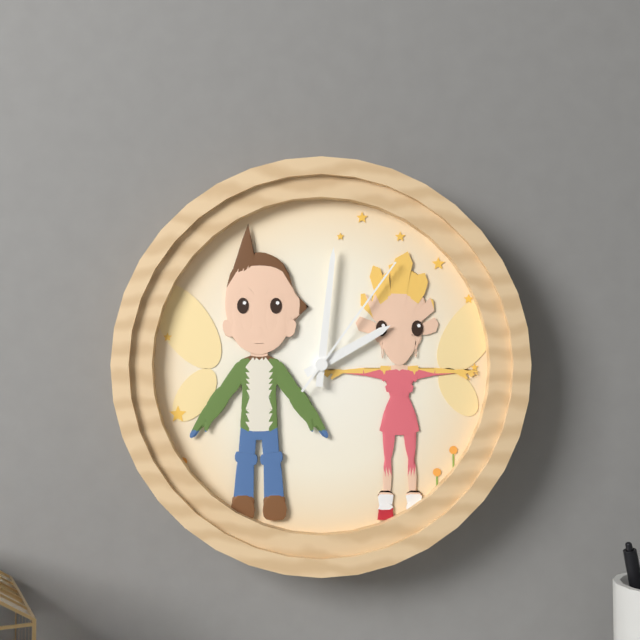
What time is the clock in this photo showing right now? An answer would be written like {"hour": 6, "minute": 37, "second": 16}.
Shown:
{"hour": 2, "minute": 1, "second": 6}
